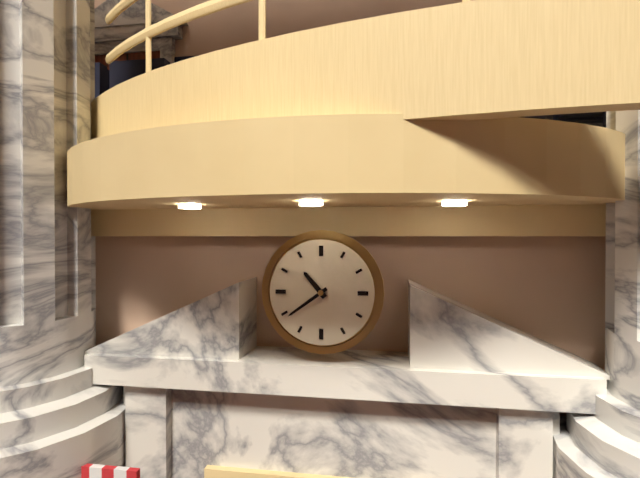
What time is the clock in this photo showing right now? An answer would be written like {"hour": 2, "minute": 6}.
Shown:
{"hour": 10, "minute": 39}
